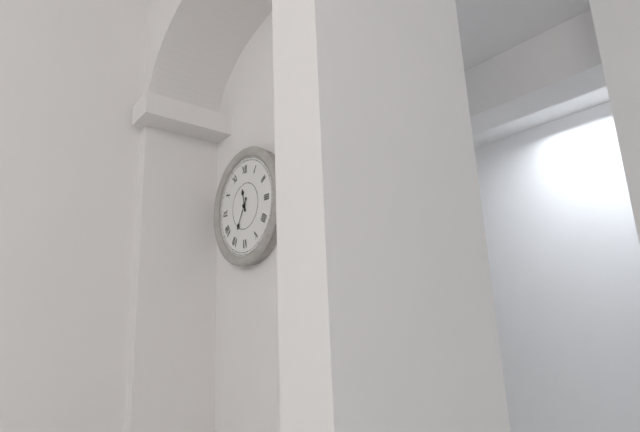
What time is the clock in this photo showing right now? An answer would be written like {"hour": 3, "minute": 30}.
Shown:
{"hour": 11, "minute": 35}
